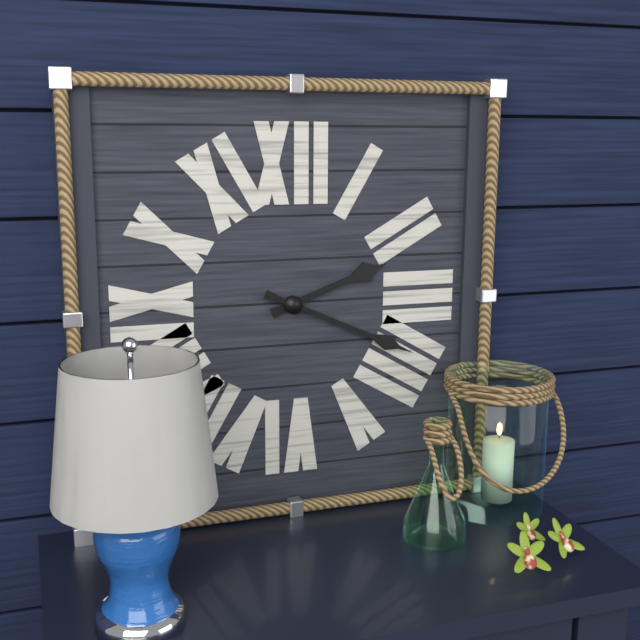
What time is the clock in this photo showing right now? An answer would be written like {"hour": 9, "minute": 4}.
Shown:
{"hour": 2, "minute": 19}
